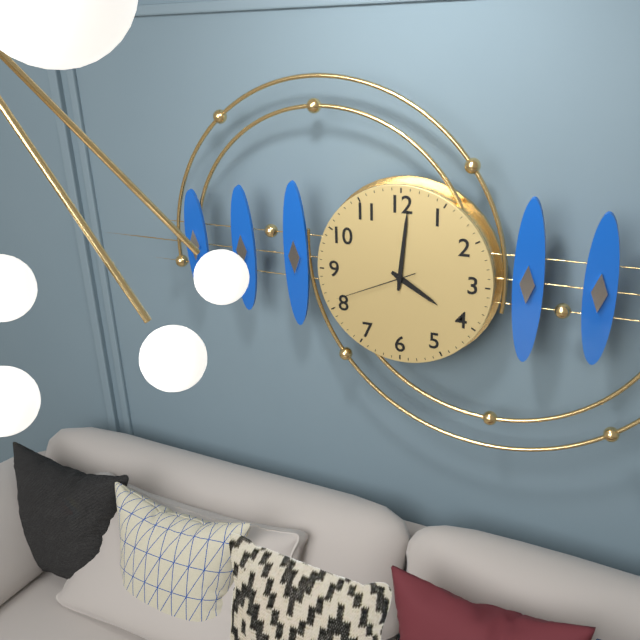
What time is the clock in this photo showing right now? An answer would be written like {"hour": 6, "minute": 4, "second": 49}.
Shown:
{"hour": 4, "minute": 1, "second": 41}
